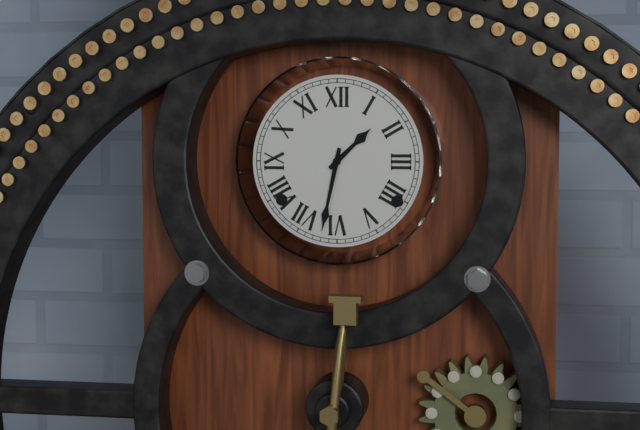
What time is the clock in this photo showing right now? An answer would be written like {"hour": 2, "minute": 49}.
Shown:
{"hour": 1, "minute": 32}
